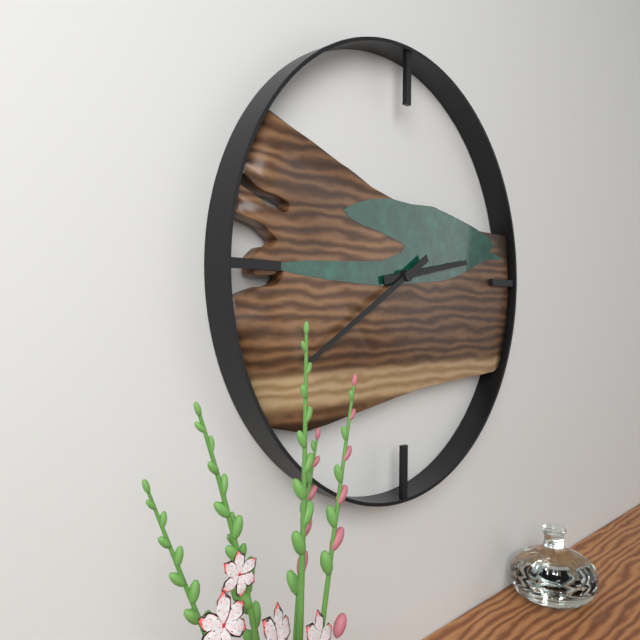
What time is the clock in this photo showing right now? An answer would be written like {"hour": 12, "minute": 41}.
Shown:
{"hour": 2, "minute": 40}
